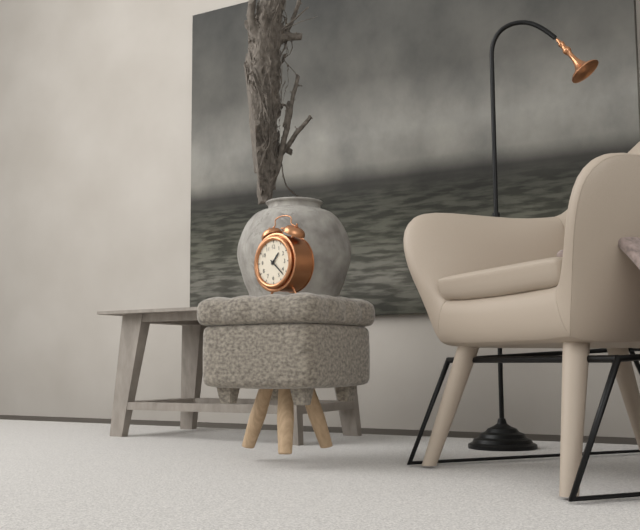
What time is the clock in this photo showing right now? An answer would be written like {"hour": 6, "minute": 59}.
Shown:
{"hour": 1, "minute": 22}
